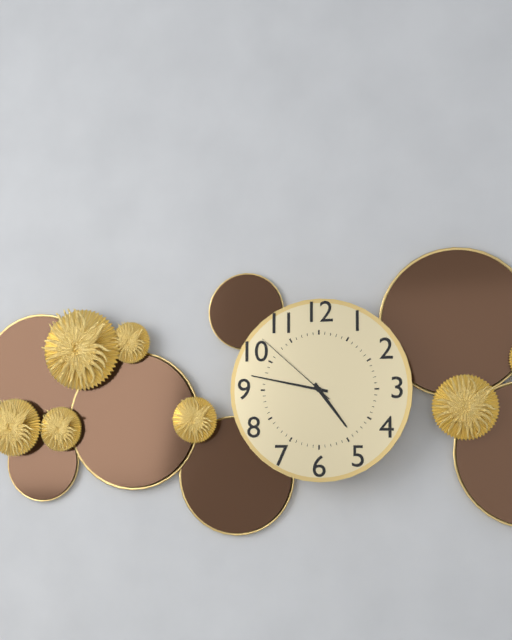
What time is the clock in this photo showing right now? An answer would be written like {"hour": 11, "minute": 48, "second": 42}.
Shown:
{"hour": 4, "minute": 47, "second": 52}
